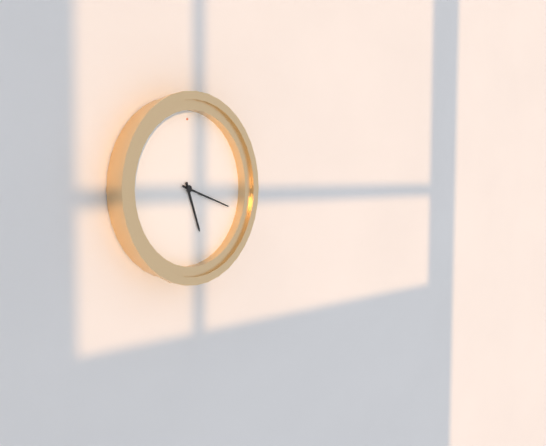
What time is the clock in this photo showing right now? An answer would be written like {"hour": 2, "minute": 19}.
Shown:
{"hour": 5, "minute": 18}
